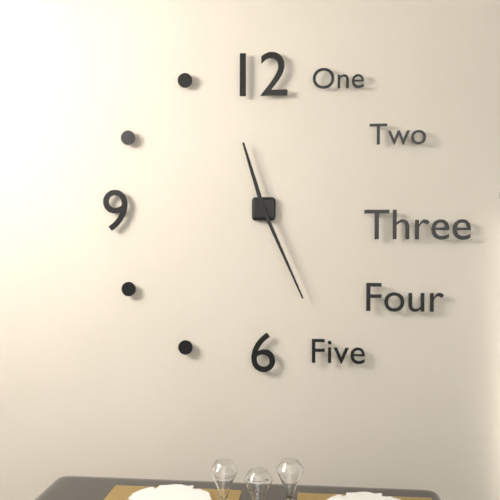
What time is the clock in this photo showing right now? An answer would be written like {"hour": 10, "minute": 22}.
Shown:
{"hour": 11, "minute": 26}
